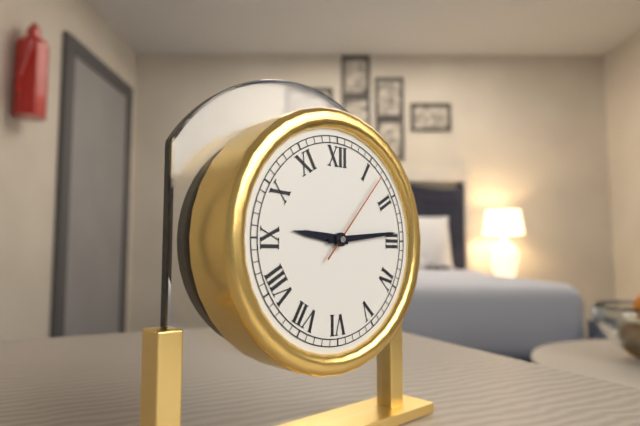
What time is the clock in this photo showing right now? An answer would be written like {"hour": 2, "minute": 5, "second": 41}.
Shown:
{"hour": 9, "minute": 14, "second": 7}
